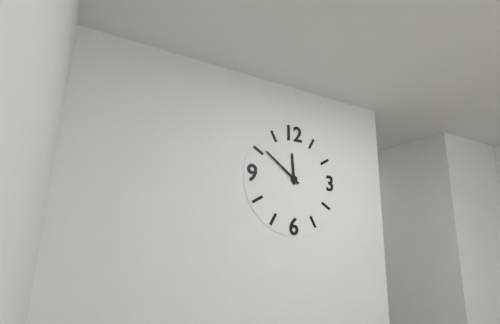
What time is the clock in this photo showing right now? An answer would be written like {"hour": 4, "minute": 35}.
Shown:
{"hour": 11, "minute": 51}
